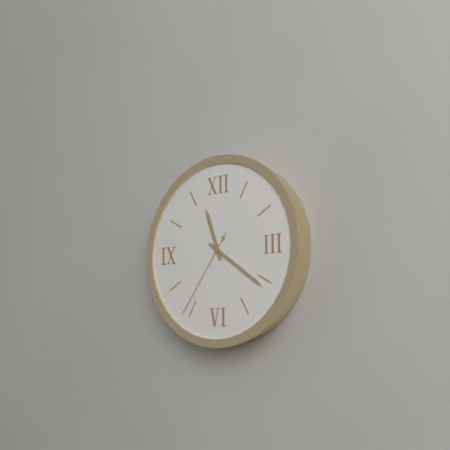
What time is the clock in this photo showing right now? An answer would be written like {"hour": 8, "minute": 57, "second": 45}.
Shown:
{"hour": 11, "minute": 21, "second": 36}
